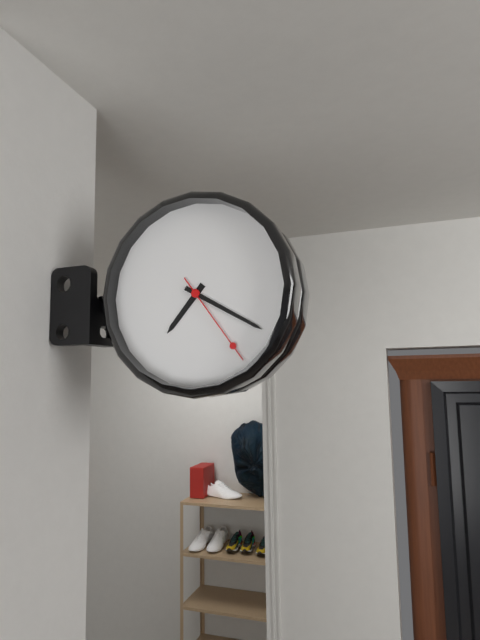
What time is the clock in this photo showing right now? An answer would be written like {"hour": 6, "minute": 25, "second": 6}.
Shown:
{"hour": 7, "minute": 20, "second": 24}
